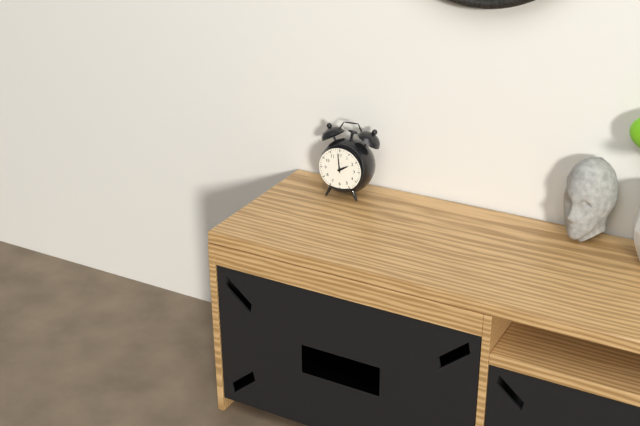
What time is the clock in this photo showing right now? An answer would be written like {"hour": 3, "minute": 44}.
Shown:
{"hour": 1, "minute": 59}
